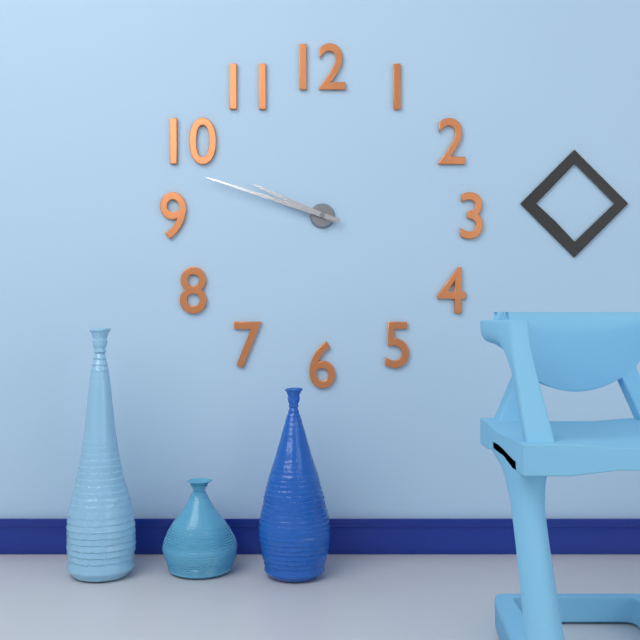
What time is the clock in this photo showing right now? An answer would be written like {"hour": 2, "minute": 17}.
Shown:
{"hour": 9, "minute": 48}
